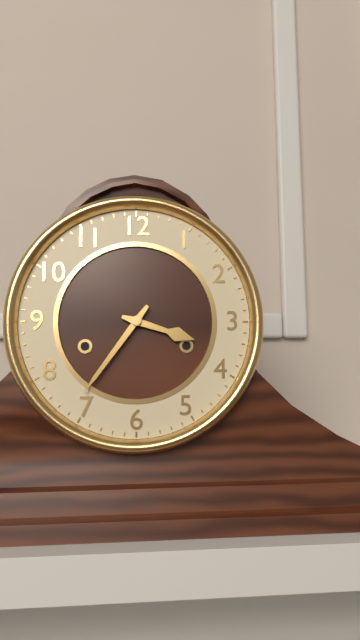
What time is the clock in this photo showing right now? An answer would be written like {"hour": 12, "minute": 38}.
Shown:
{"hour": 3, "minute": 36}
